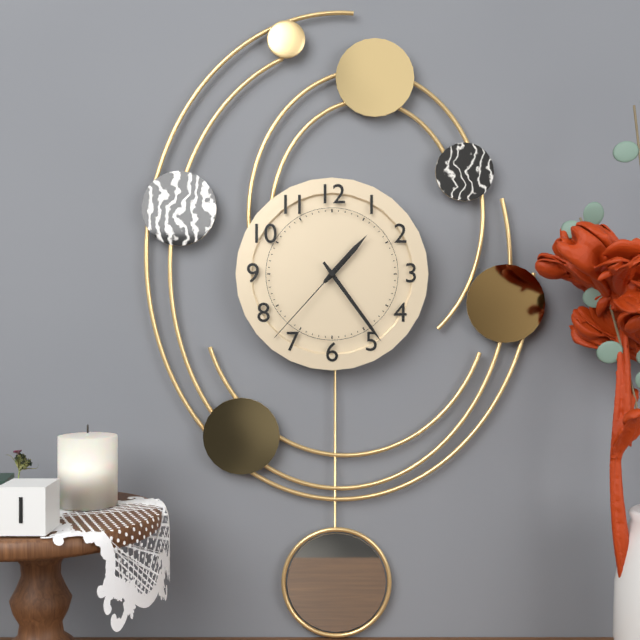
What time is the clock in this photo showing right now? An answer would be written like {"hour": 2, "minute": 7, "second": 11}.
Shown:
{"hour": 1, "minute": 24, "second": 37}
